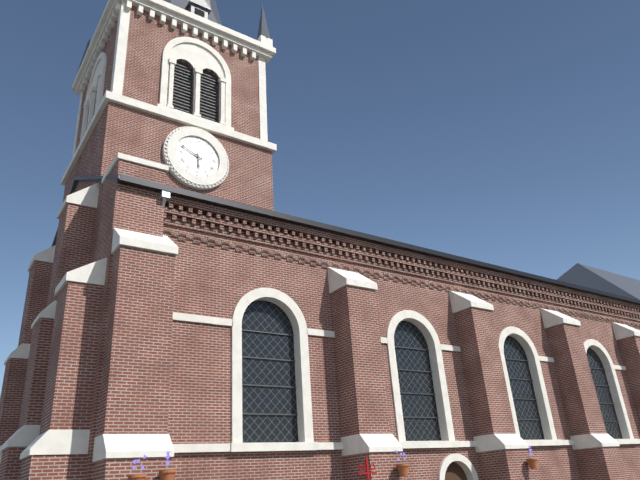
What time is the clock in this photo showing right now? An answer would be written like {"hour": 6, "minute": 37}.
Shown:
{"hour": 5, "minute": 49}
